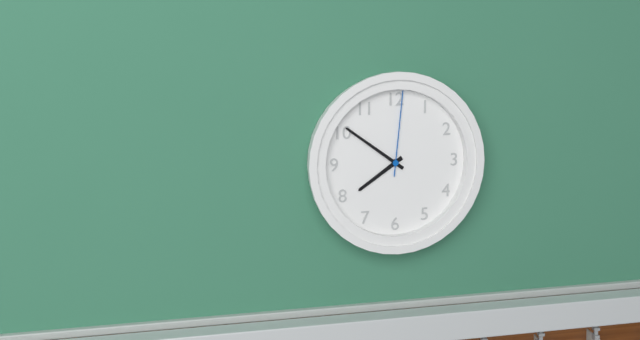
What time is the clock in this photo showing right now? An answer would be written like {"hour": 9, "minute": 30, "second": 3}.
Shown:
{"hour": 7, "minute": 51, "second": 1}
